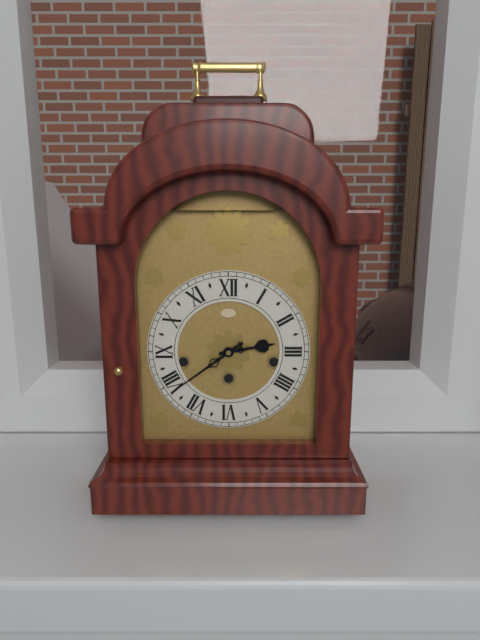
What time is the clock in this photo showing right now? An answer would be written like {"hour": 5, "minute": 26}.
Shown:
{"hour": 2, "minute": 39}
